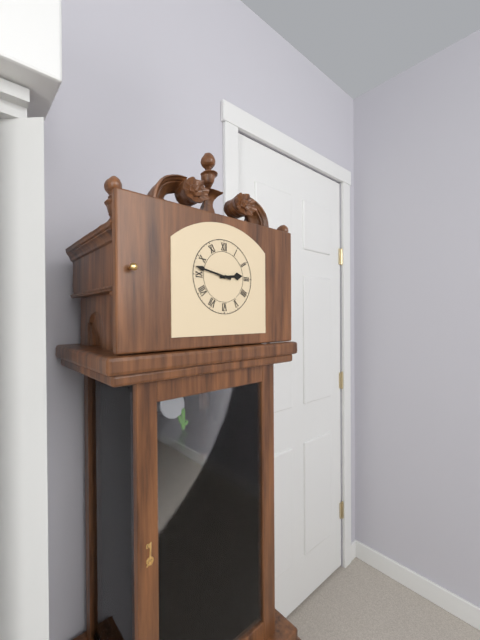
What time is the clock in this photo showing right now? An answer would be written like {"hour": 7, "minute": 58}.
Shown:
{"hour": 2, "minute": 47}
